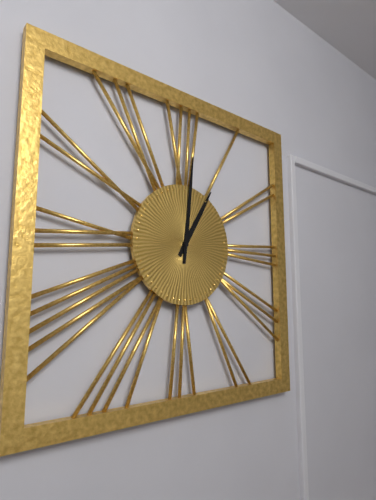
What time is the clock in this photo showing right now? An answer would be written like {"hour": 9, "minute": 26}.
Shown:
{"hour": 1, "minute": 1}
